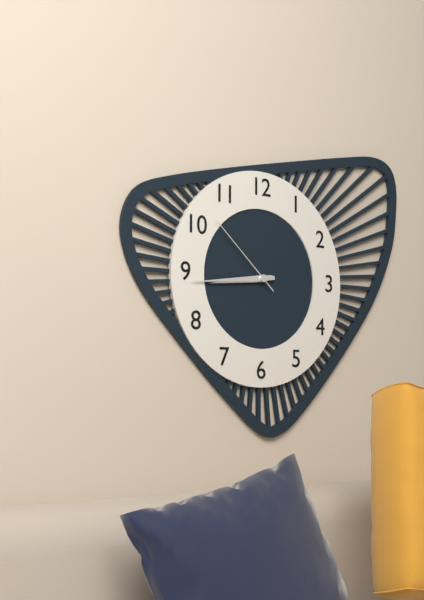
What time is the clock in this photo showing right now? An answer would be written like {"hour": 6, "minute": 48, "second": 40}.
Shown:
{"hour": 8, "minute": 44, "second": 52}
